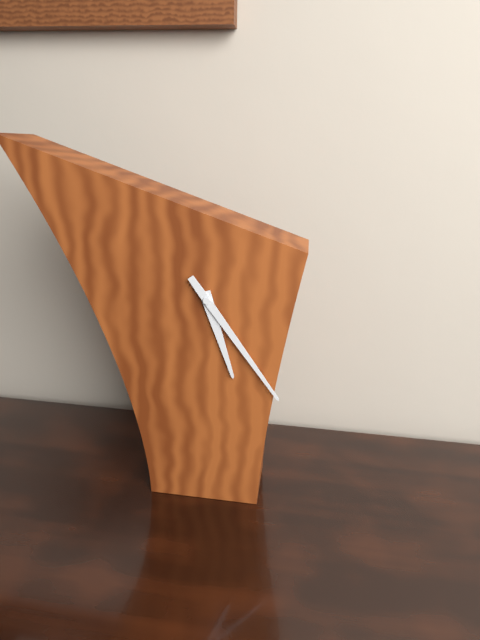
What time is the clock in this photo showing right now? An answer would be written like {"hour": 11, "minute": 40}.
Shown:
{"hour": 5, "minute": 24}
